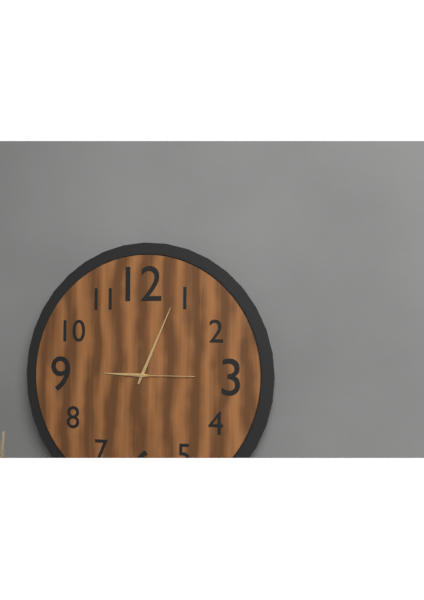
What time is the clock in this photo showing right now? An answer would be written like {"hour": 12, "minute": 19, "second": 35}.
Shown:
{"hour": 9, "minute": 4, "second": 15}
